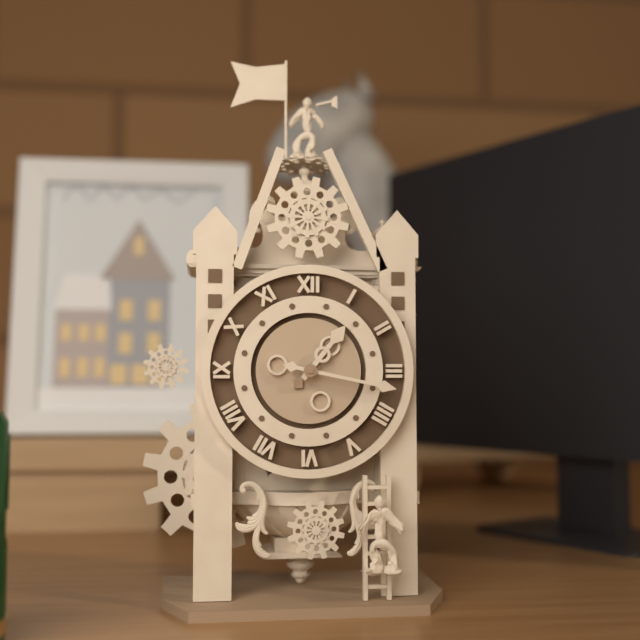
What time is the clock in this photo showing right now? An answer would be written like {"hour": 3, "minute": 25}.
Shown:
{"hour": 1, "minute": 17}
